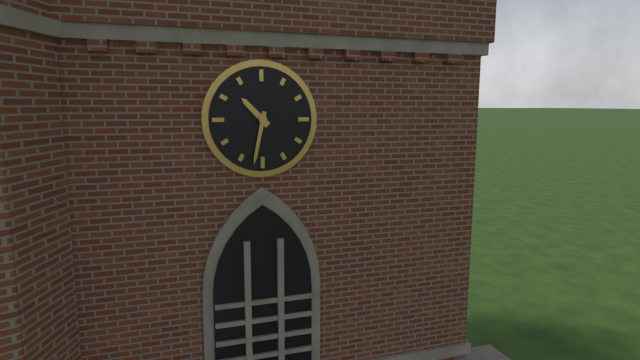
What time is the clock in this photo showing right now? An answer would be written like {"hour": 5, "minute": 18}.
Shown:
{"hour": 10, "minute": 32}
